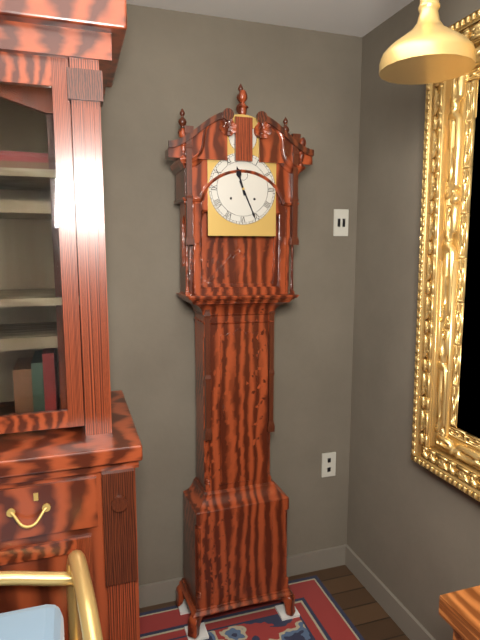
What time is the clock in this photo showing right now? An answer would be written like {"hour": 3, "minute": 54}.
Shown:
{"hour": 11, "minute": 26}
